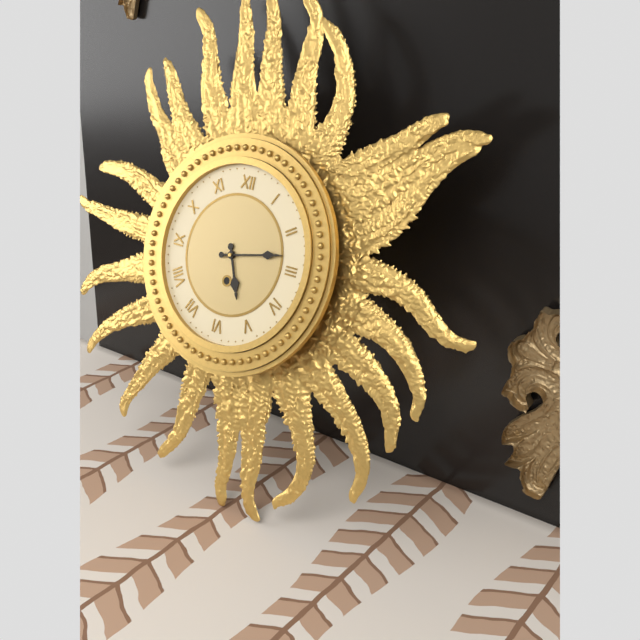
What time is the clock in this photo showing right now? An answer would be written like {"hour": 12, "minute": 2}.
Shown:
{"hour": 5, "minute": 13}
